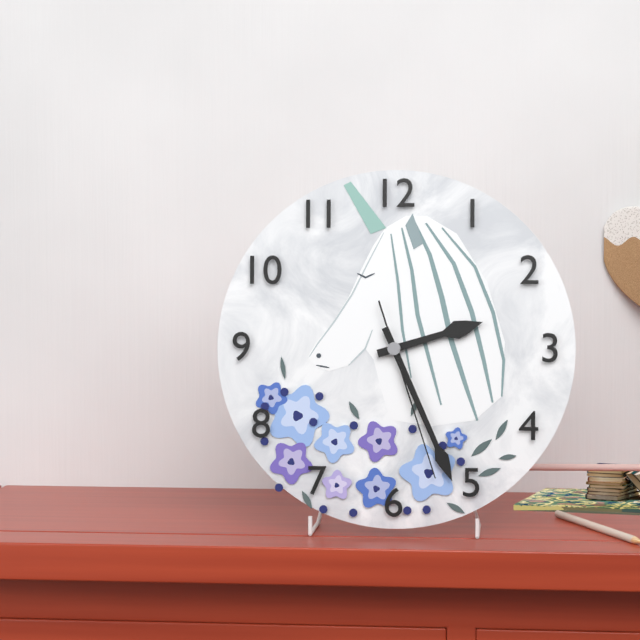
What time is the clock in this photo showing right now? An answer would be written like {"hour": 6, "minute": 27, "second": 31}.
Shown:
{"hour": 2, "minute": 26, "second": 27}
